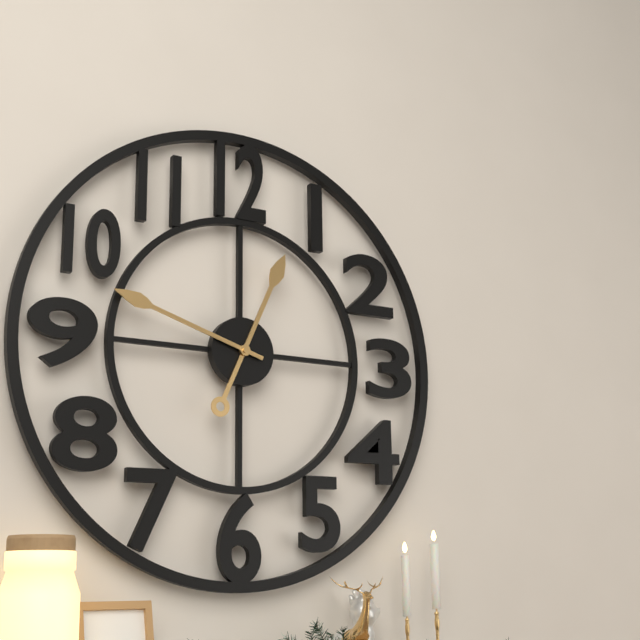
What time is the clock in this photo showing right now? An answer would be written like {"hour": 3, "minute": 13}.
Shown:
{"hour": 12, "minute": 48}
